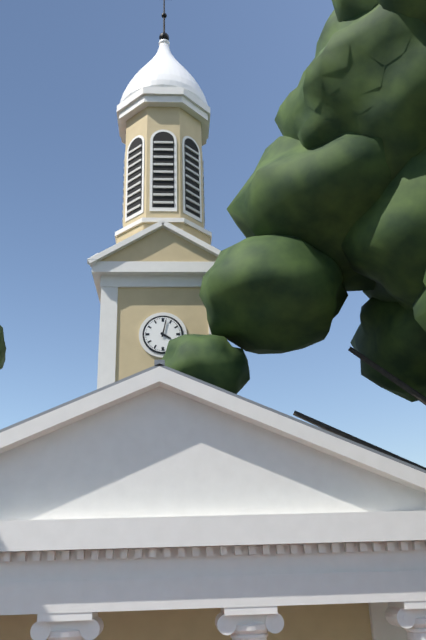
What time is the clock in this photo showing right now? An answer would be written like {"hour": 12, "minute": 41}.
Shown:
{"hour": 4, "minute": 2}
